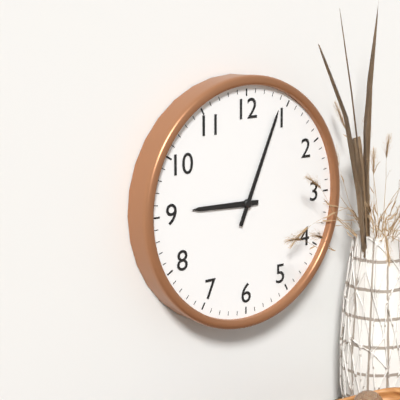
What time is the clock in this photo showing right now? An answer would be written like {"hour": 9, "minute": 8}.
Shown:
{"hour": 9, "minute": 4}
